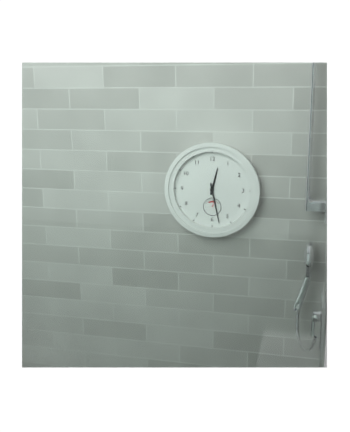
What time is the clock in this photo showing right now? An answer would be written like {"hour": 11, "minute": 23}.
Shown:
{"hour": 12, "minute": 28}
